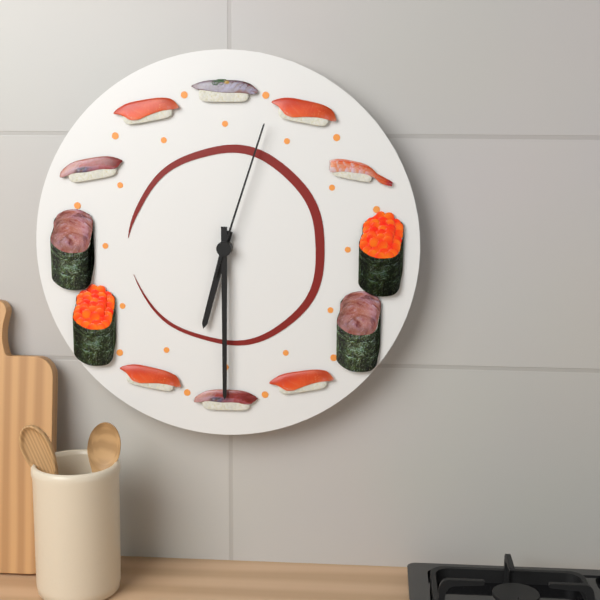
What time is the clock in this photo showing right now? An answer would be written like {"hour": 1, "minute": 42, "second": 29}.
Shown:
{"hour": 6, "minute": 30, "second": 3}
